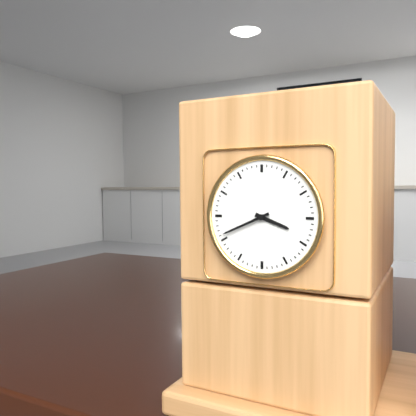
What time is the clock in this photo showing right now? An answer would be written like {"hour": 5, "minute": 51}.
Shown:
{"hour": 3, "minute": 41}
